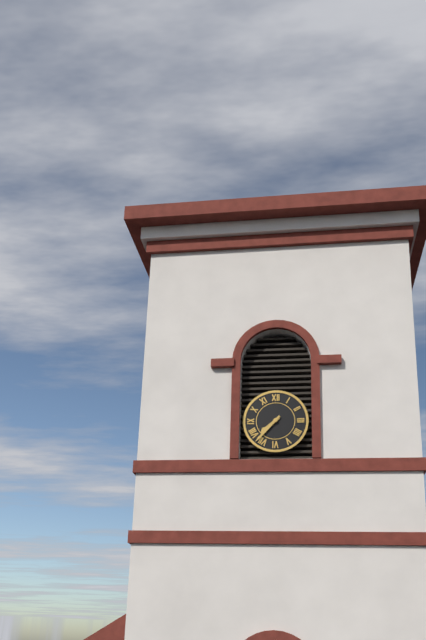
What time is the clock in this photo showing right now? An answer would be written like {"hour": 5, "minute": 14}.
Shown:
{"hour": 7, "minute": 37}
